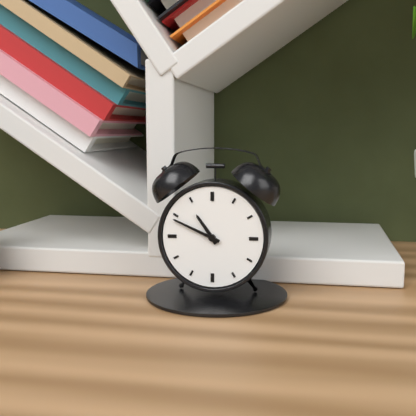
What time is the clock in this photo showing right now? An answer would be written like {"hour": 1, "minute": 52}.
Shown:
{"hour": 10, "minute": 49}
